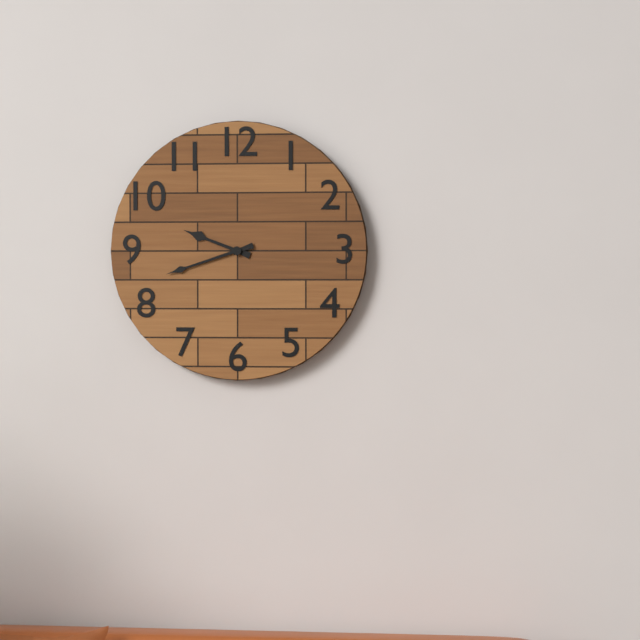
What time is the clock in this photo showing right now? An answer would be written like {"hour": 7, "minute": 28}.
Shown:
{"hour": 9, "minute": 42}
